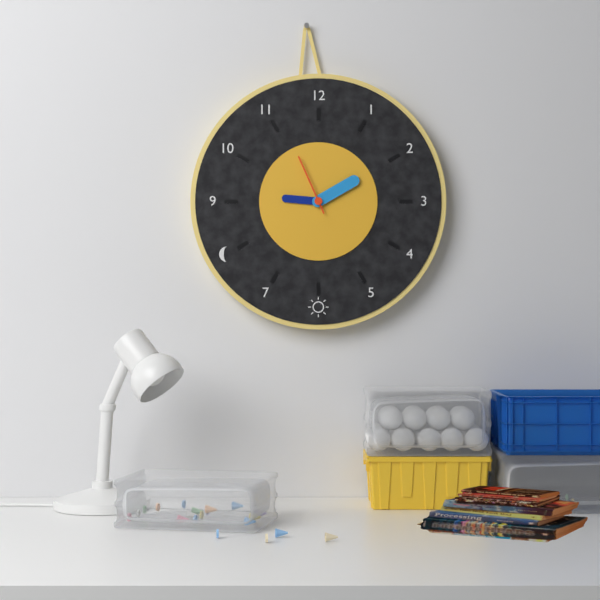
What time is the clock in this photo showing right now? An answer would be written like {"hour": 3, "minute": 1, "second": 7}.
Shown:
{"hour": 9, "minute": 10, "second": 56}
